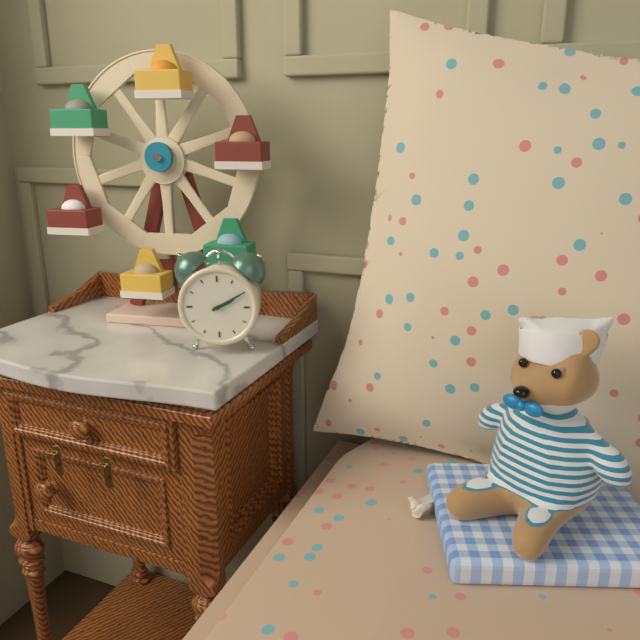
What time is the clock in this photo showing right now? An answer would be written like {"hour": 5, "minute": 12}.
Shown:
{"hour": 2, "minute": 10}
